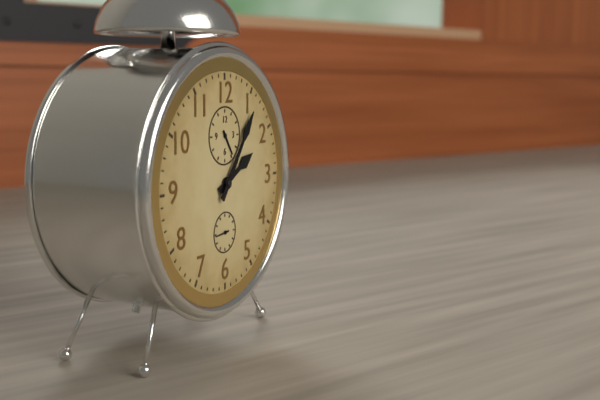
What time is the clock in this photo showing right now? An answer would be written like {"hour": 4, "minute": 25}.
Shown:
{"hour": 2, "minute": 6}
